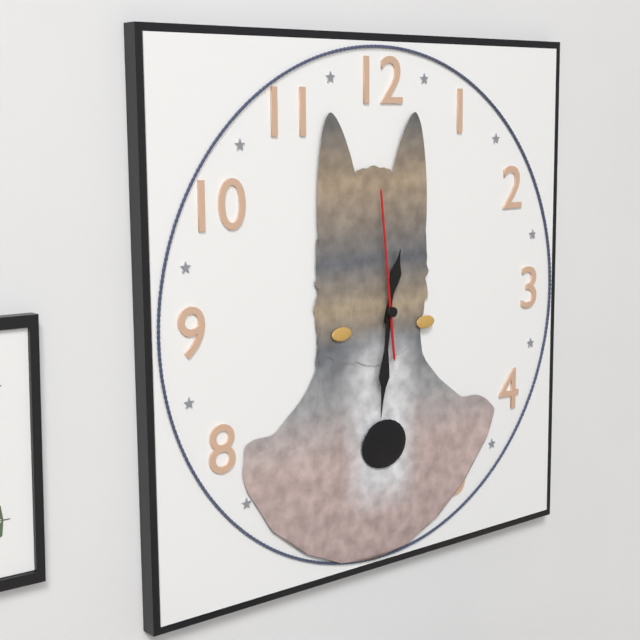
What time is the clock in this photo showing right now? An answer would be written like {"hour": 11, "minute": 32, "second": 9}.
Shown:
{"hour": 12, "minute": 31, "second": 59}
